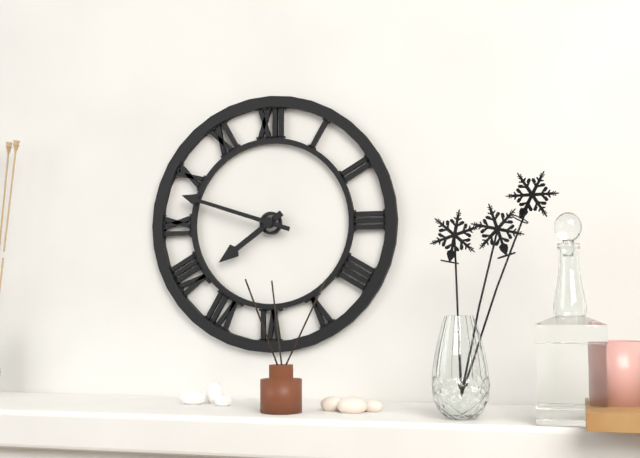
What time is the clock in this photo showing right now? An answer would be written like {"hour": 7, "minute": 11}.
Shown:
{"hour": 7, "minute": 48}
